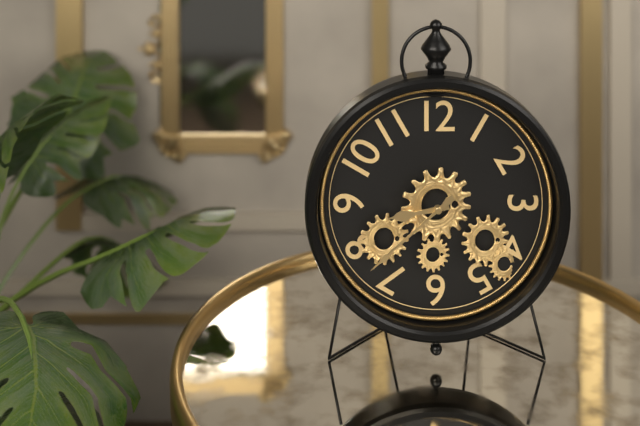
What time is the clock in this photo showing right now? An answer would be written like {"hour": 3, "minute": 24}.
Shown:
{"hour": 8, "minute": 38}
